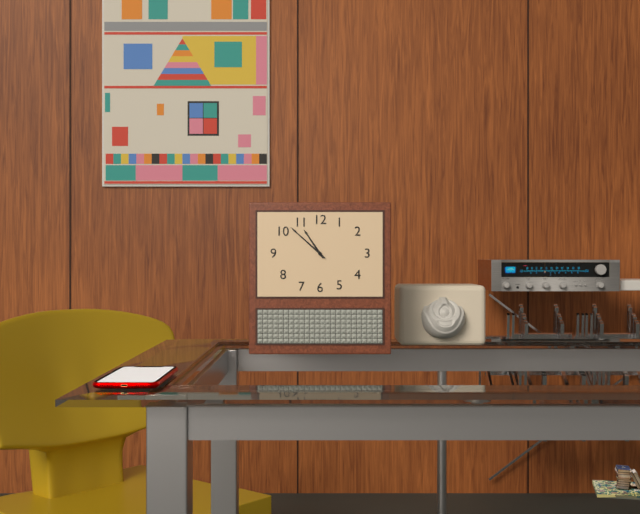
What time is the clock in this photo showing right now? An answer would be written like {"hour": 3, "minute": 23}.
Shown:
{"hour": 10, "minute": 52}
